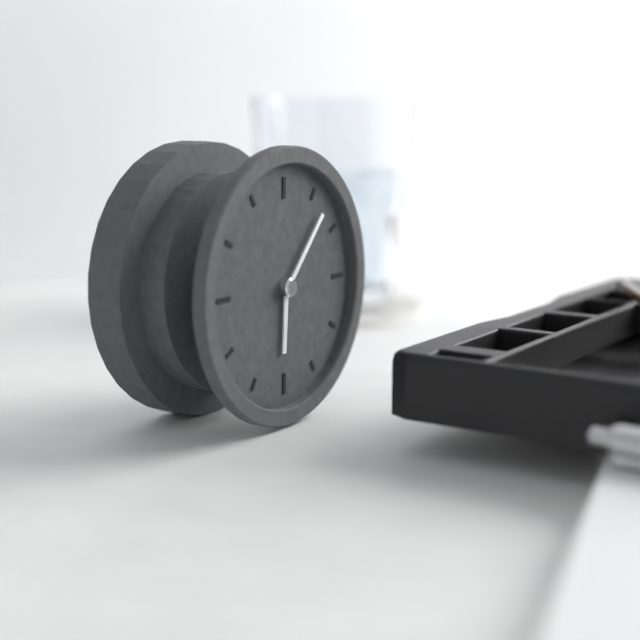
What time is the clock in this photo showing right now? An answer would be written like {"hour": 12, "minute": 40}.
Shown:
{"hour": 6, "minute": 7}
